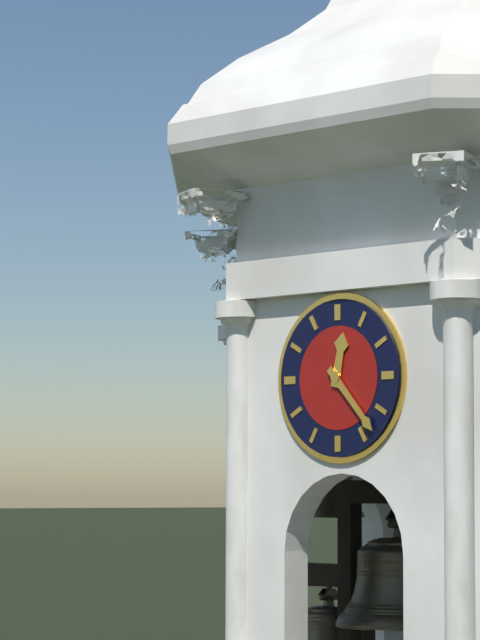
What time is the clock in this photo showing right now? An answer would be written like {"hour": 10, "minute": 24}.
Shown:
{"hour": 12, "minute": 23}
